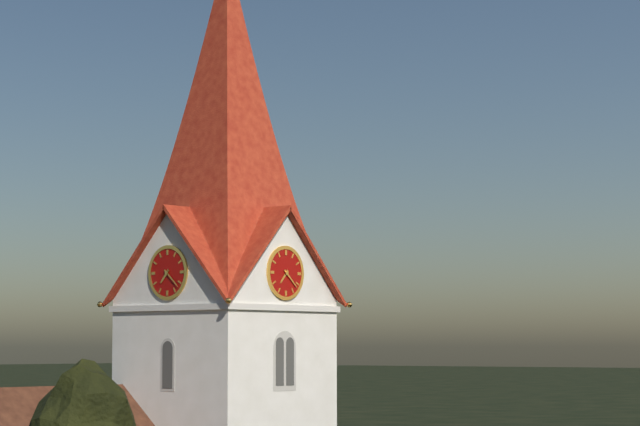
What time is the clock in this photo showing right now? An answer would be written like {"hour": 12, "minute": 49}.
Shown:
{"hour": 7, "minute": 22}
